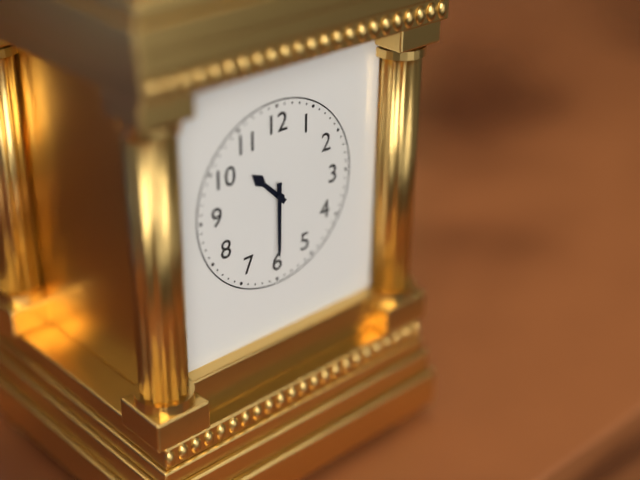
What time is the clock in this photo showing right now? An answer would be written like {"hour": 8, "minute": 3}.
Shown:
{"hour": 10, "minute": 30}
